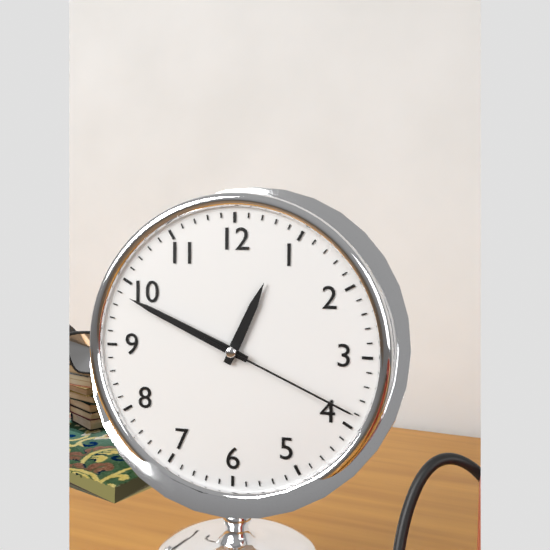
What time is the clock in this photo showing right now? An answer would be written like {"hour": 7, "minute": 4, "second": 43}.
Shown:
{"hour": 12, "minute": 49, "second": 19}
